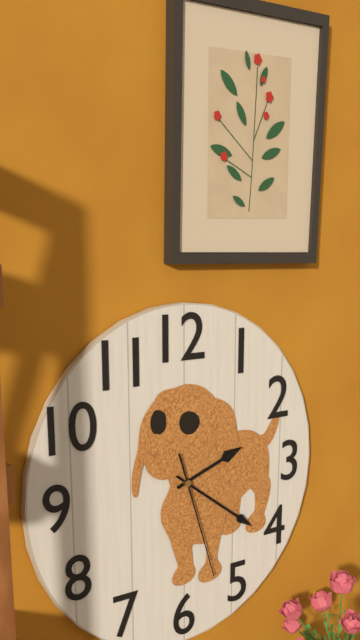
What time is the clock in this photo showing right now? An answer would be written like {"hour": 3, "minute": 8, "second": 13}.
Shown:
{"hour": 2, "minute": 21, "second": 27}
